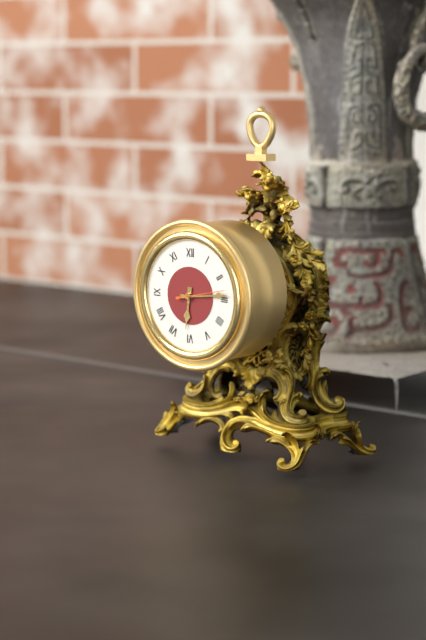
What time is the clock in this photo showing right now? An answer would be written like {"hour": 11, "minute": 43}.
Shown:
{"hour": 6, "minute": 14}
